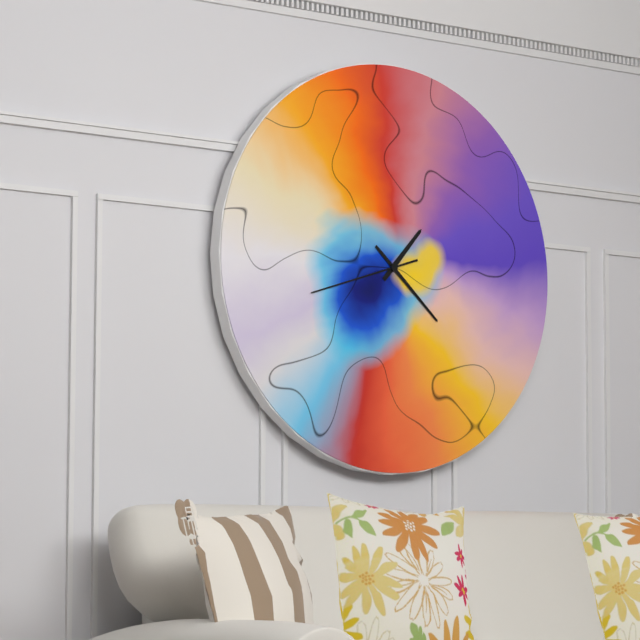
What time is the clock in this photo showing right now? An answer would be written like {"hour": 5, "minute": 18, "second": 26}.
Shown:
{"hour": 1, "minute": 22, "second": 42}
